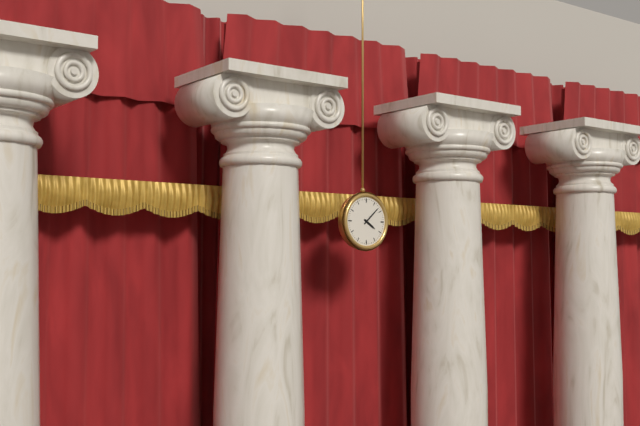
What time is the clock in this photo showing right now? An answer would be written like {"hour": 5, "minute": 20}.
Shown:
{"hour": 4, "minute": 8}
